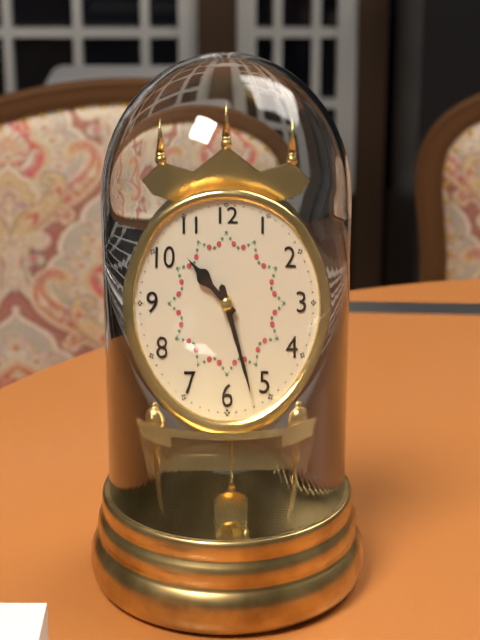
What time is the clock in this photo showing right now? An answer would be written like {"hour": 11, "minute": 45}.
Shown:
{"hour": 10, "minute": 27}
